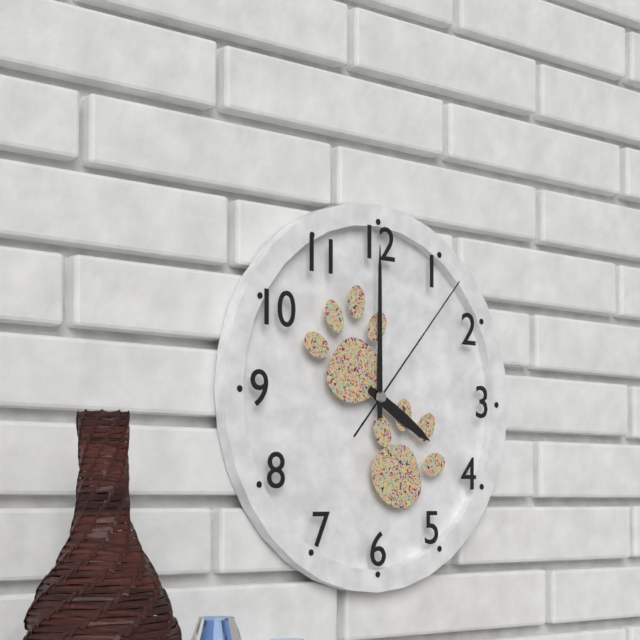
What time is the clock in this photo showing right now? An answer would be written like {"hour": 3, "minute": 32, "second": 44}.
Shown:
{"hour": 4, "minute": 0, "second": 7}
